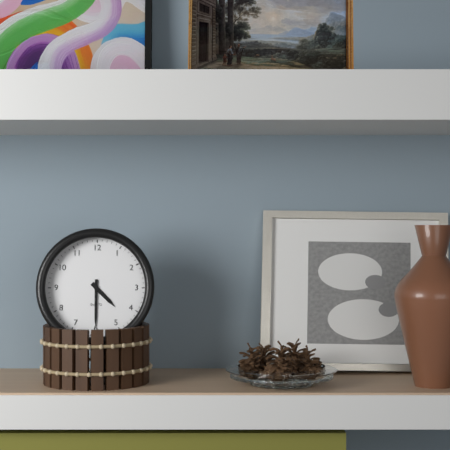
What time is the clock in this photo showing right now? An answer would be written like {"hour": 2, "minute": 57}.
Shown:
{"hour": 4, "minute": 30}
